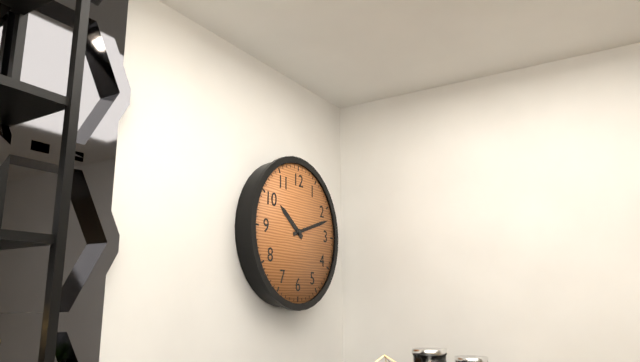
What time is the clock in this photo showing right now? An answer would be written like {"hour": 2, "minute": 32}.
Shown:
{"hour": 10, "minute": 12}
